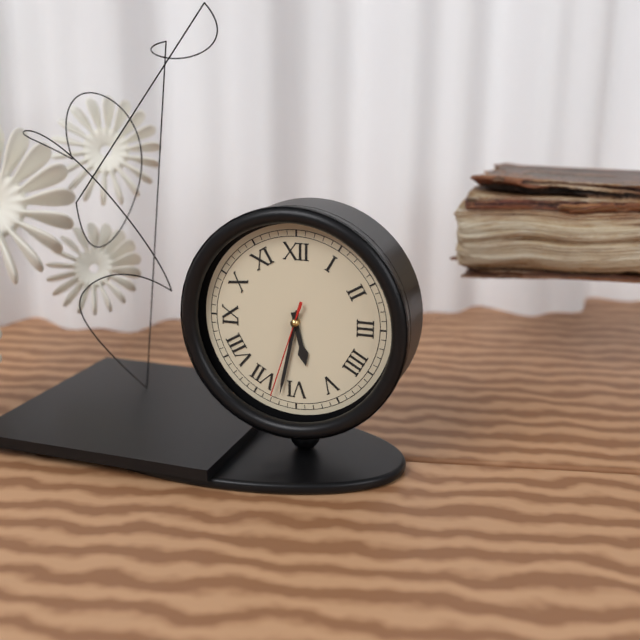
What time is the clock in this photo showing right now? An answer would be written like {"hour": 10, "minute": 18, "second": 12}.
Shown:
{"hour": 5, "minute": 32, "second": 33}
